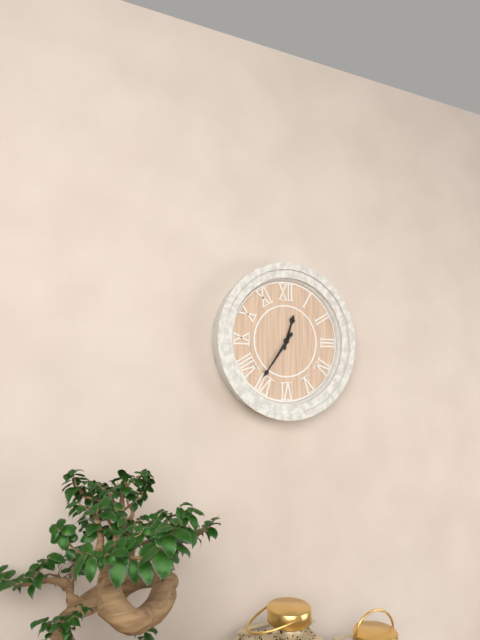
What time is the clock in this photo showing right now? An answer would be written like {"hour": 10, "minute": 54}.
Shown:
{"hour": 12, "minute": 36}
